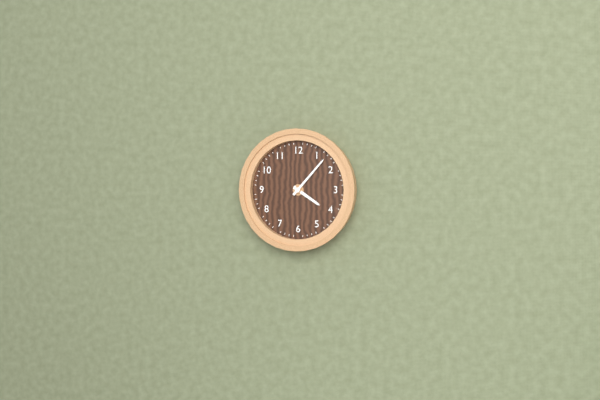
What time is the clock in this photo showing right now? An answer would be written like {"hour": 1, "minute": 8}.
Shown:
{"hour": 4, "minute": 7}
